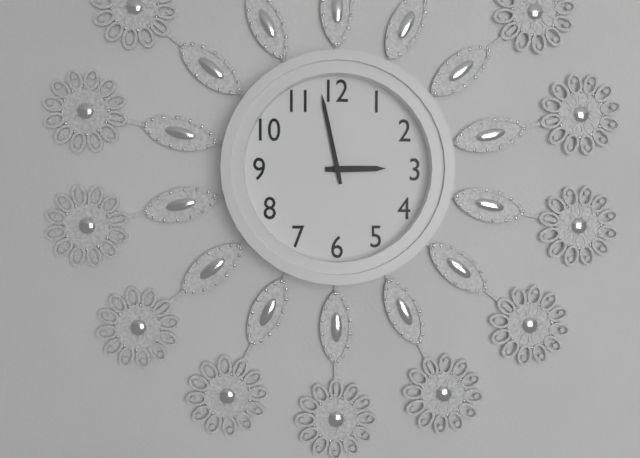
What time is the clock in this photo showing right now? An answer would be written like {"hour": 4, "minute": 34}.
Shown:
{"hour": 2, "minute": 58}
